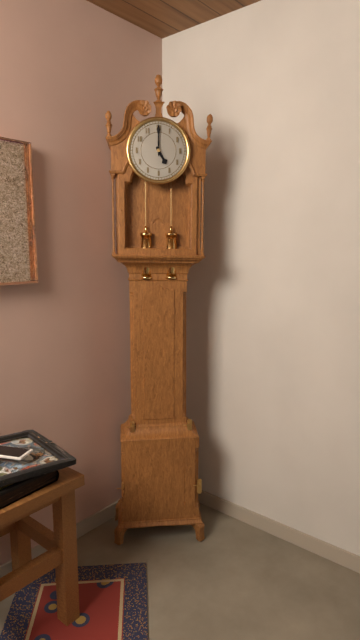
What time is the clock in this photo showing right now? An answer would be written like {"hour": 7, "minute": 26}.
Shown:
{"hour": 5, "minute": 0}
